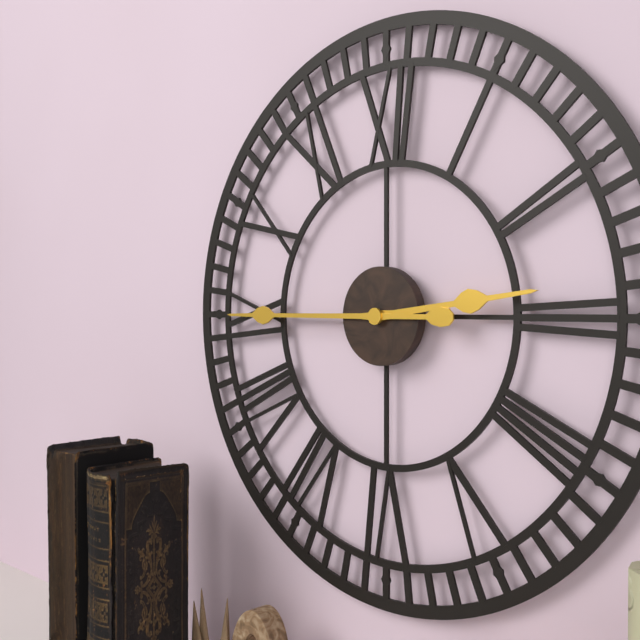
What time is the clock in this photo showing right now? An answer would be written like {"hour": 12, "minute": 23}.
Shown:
{"hour": 2, "minute": 45}
